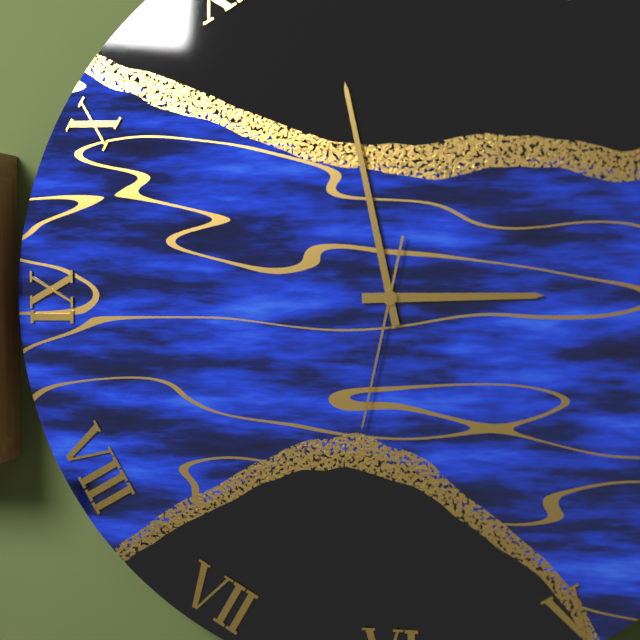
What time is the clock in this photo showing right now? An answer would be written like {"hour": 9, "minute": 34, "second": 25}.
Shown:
{"hour": 2, "minute": 58, "second": 32}
